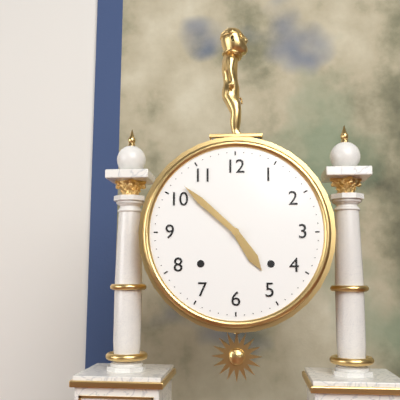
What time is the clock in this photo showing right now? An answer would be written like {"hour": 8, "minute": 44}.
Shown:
{"hour": 4, "minute": 52}
